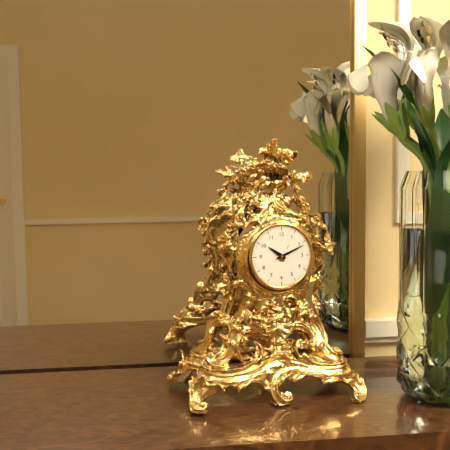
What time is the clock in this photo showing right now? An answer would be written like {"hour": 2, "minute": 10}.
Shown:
{"hour": 10, "minute": 11}
